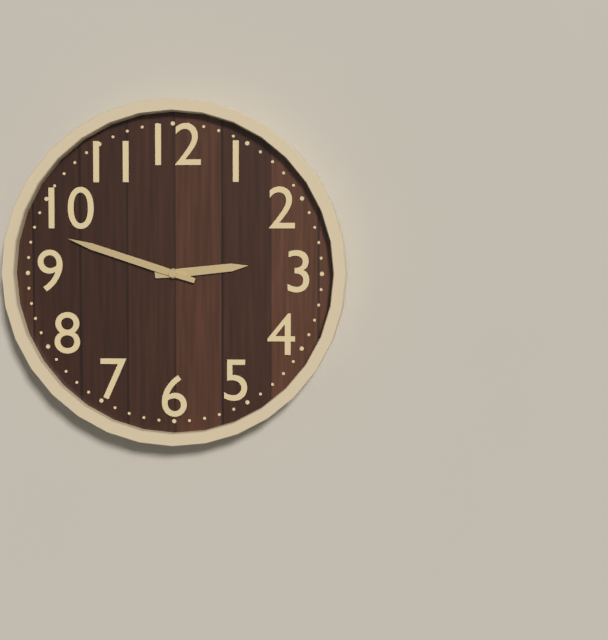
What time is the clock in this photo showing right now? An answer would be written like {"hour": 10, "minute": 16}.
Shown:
{"hour": 2, "minute": 48}
